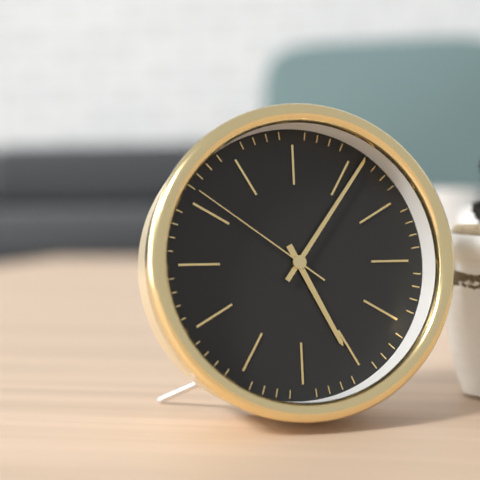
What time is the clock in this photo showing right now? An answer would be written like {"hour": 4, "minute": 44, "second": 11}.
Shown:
{"hour": 5, "minute": 6, "second": 51}
